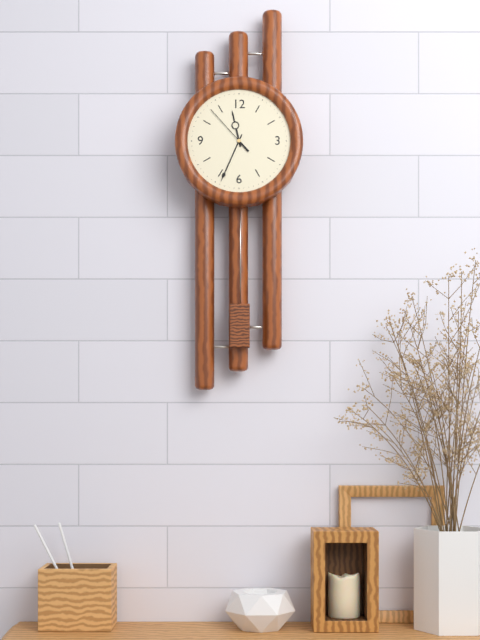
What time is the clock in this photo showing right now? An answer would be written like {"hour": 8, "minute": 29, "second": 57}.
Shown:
{"hour": 11, "minute": 34, "second": 53}
